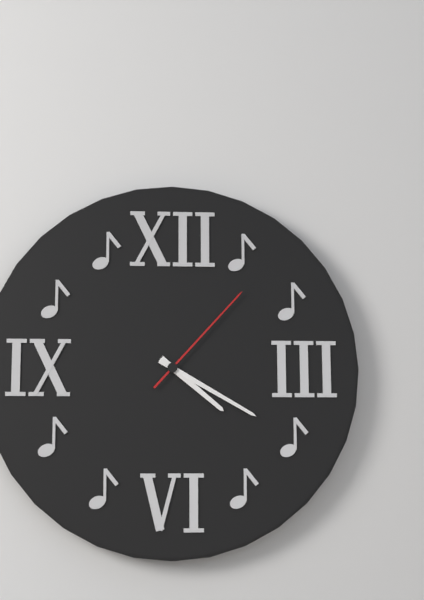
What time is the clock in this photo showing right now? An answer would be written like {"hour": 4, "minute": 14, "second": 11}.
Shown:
{"hour": 4, "minute": 20, "second": 7}
